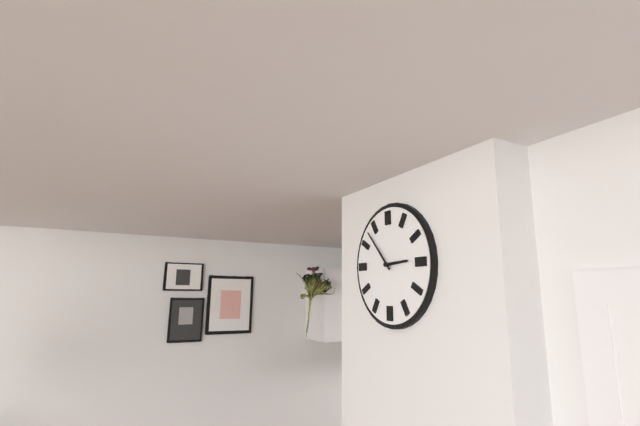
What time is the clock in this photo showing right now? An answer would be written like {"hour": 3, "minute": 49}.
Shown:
{"hour": 2, "minute": 53}
